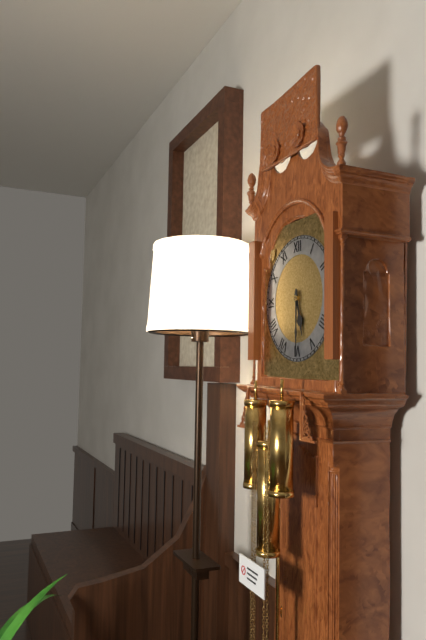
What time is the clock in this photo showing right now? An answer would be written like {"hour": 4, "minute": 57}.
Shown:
{"hour": 5, "minute": 30}
